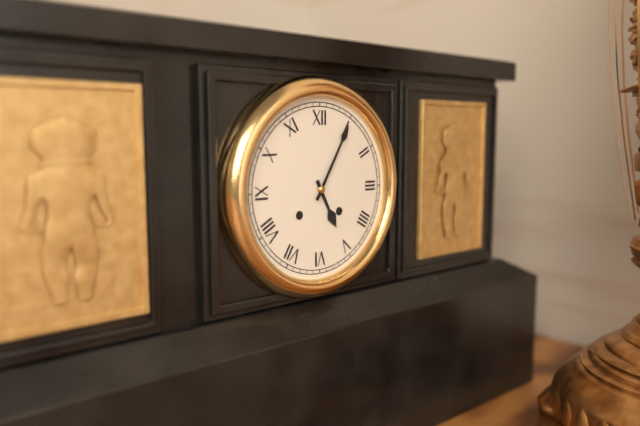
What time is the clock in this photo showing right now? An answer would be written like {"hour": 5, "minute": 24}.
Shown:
{"hour": 5, "minute": 5}
